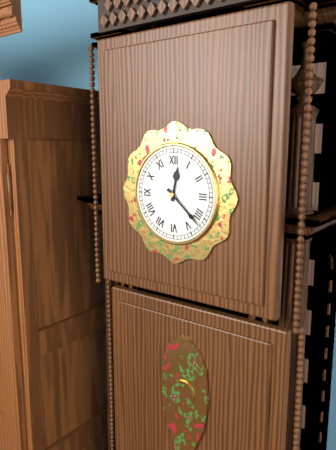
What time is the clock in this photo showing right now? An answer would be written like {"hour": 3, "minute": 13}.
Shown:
{"hour": 12, "minute": 22}
